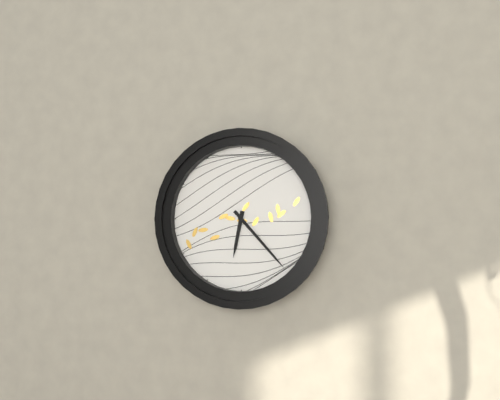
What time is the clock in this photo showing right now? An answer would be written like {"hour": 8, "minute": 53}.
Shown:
{"hour": 6, "minute": 23}
